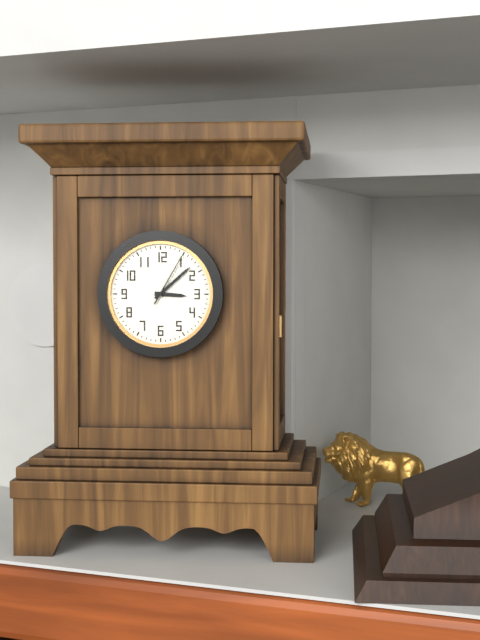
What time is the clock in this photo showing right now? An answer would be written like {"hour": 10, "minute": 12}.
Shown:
{"hour": 3, "minute": 8}
